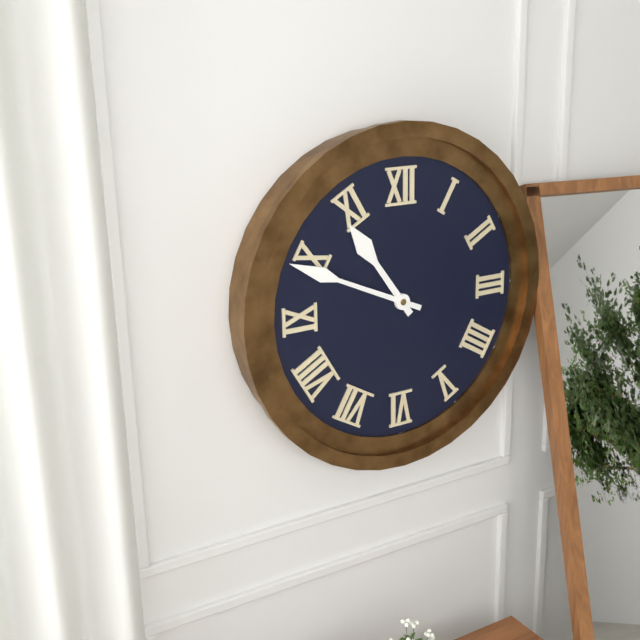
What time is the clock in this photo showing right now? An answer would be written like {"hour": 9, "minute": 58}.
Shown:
{"hour": 10, "minute": 49}
